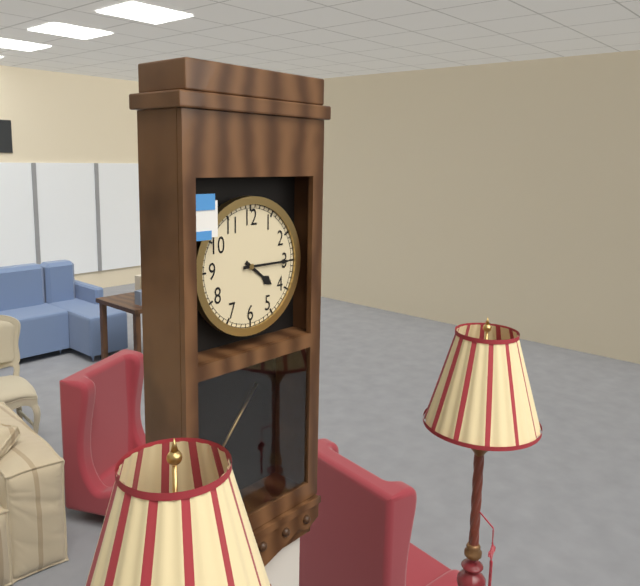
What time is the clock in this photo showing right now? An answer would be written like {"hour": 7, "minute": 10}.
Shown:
{"hour": 4, "minute": 15}
